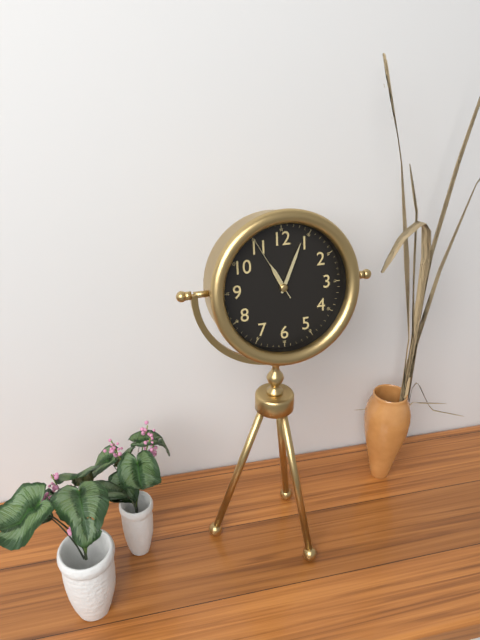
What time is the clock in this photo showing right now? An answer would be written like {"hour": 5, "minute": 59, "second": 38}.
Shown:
{"hour": 11, "minute": 4, "second": 55}
